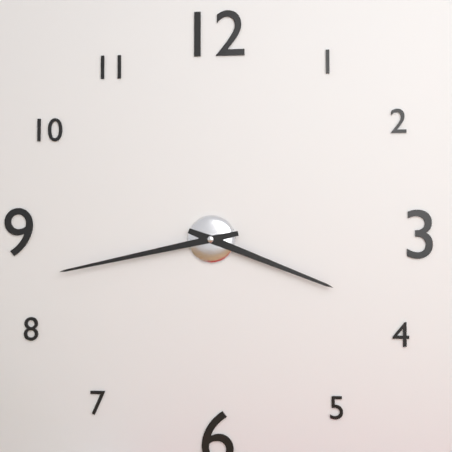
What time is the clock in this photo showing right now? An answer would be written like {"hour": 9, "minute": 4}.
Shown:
{"hour": 3, "minute": 43}
